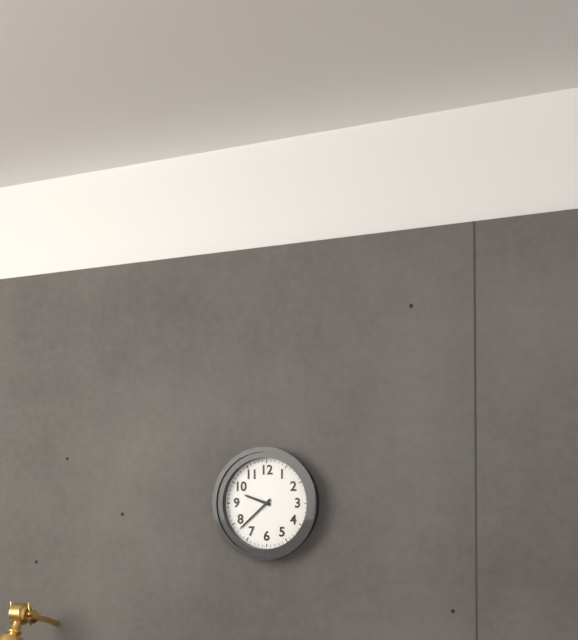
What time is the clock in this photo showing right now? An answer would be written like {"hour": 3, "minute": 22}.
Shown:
{"hour": 9, "minute": 38}
